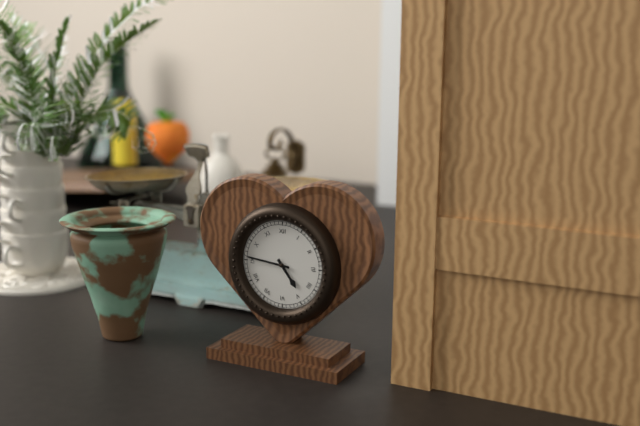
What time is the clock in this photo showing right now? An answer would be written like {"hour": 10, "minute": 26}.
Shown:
{"hour": 4, "minute": 46}
